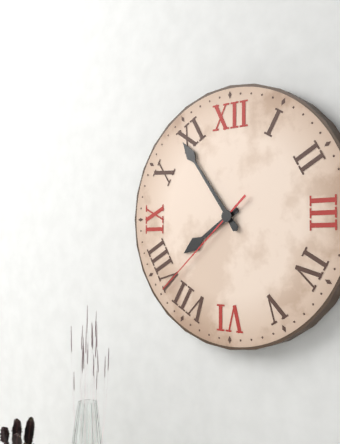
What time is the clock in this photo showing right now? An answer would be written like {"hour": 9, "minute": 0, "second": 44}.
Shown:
{"hour": 7, "minute": 54, "second": 38}
